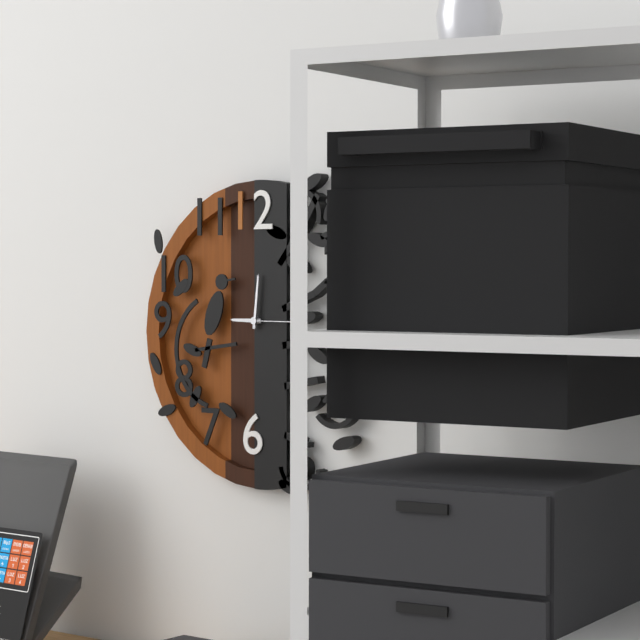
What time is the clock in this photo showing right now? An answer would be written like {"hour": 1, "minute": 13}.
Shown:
{"hour": 9, "minute": 1}
